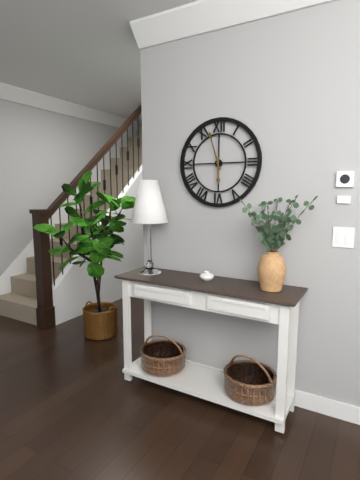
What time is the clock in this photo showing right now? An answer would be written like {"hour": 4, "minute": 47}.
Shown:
{"hour": 5, "minute": 57}
